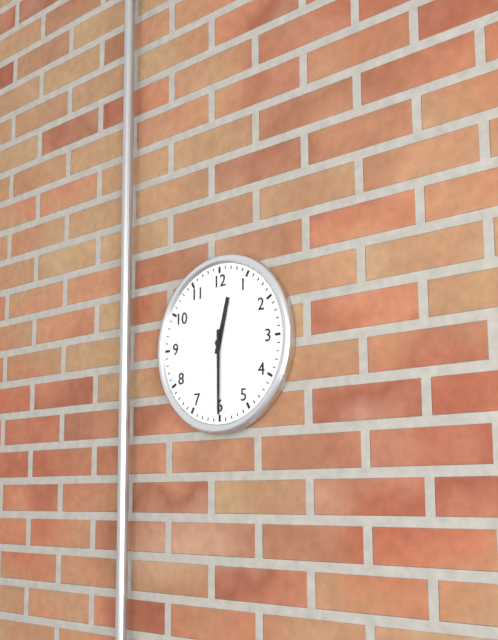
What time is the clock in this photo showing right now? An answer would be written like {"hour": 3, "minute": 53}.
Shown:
{"hour": 12, "minute": 30}
